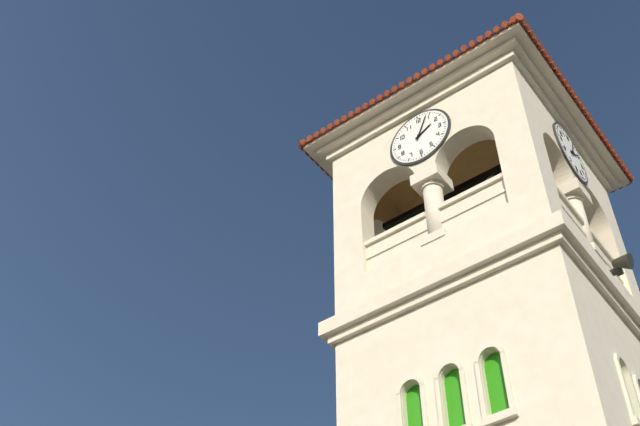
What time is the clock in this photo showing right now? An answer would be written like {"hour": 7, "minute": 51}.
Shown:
{"hour": 2, "minute": 4}
